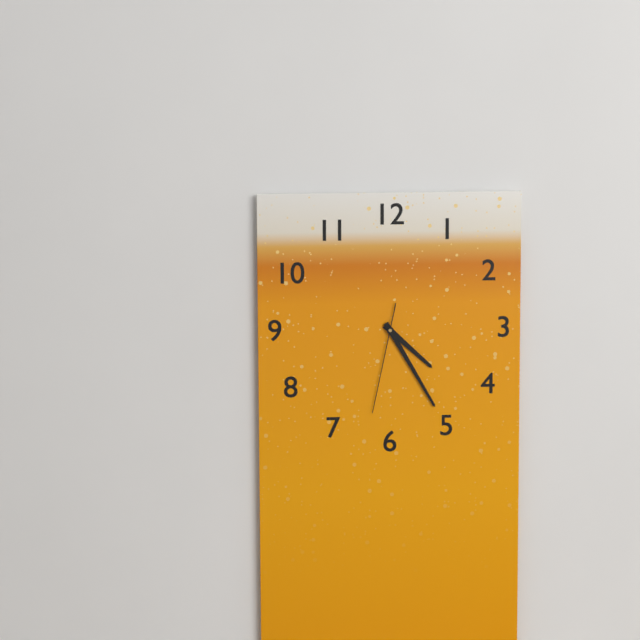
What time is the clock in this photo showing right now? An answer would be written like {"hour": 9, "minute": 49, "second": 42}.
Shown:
{"hour": 4, "minute": 25, "second": 32}
